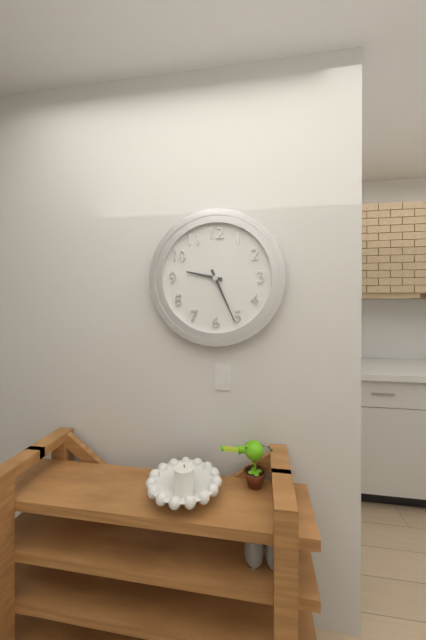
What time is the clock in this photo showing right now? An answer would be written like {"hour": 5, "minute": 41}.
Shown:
{"hour": 9, "minute": 26}
